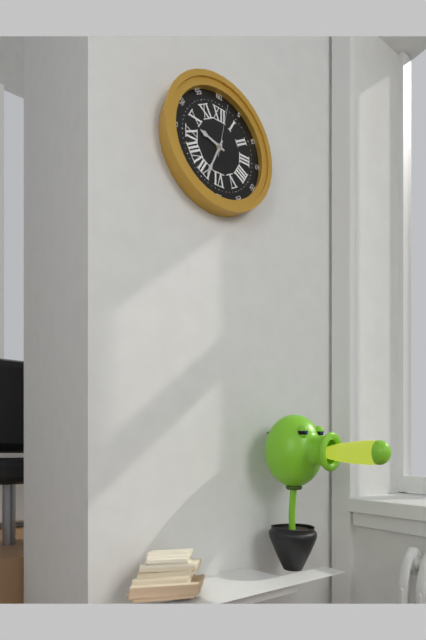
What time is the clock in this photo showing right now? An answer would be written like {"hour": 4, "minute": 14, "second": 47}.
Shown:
{"hour": 9, "minute": 34, "second": 2}
